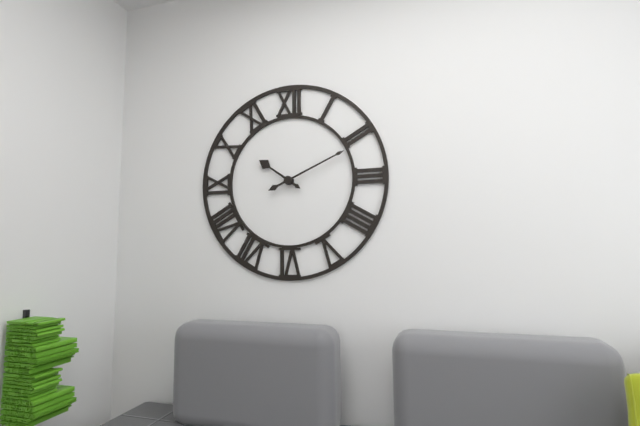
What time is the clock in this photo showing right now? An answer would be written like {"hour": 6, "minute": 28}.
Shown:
{"hour": 10, "minute": 11}
